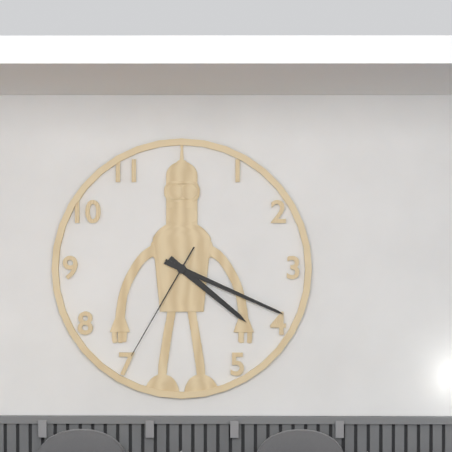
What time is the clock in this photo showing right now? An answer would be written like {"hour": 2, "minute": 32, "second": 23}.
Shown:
{"hour": 4, "minute": 19, "second": 35}
